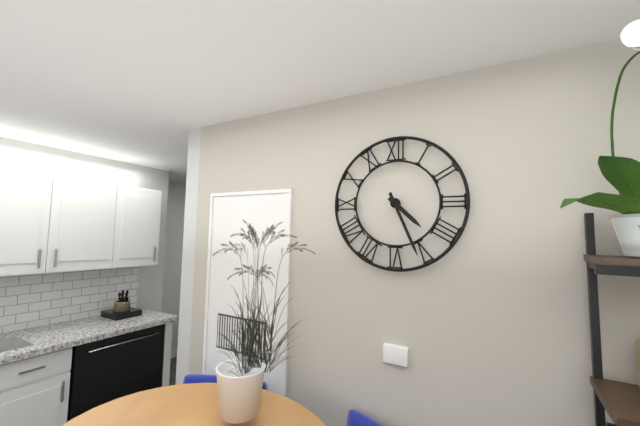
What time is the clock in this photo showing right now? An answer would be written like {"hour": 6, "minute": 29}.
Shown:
{"hour": 4, "minute": 26}
